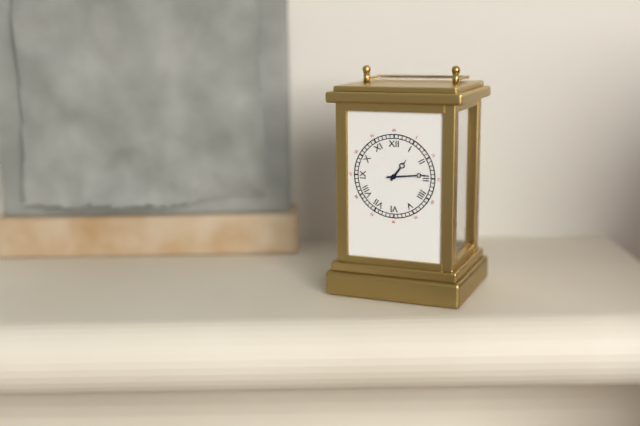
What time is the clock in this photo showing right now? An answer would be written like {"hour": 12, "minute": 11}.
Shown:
{"hour": 1, "minute": 14}
